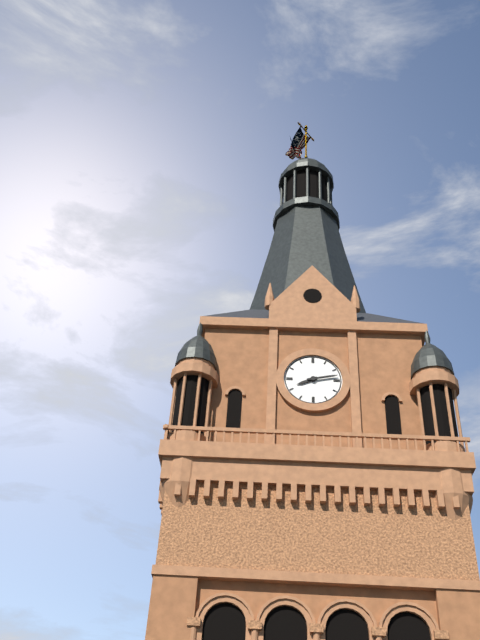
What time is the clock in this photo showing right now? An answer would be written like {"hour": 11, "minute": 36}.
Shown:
{"hour": 8, "minute": 13}
